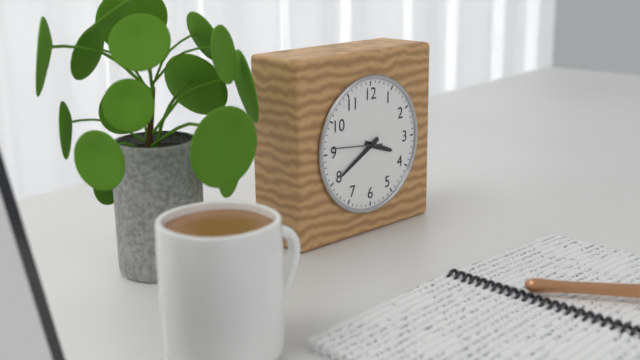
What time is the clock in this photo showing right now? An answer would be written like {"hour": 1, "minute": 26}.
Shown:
{"hour": 3, "minute": 40}
